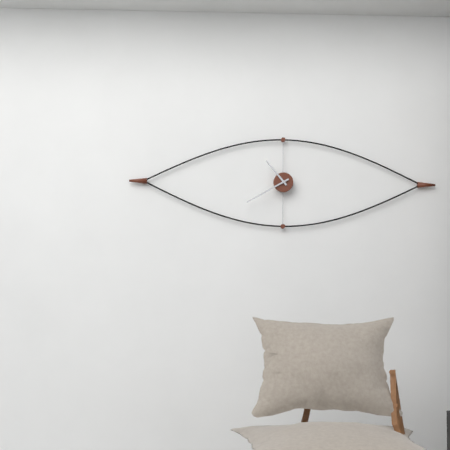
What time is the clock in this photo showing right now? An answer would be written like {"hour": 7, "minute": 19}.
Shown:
{"hour": 10, "minute": 40}
